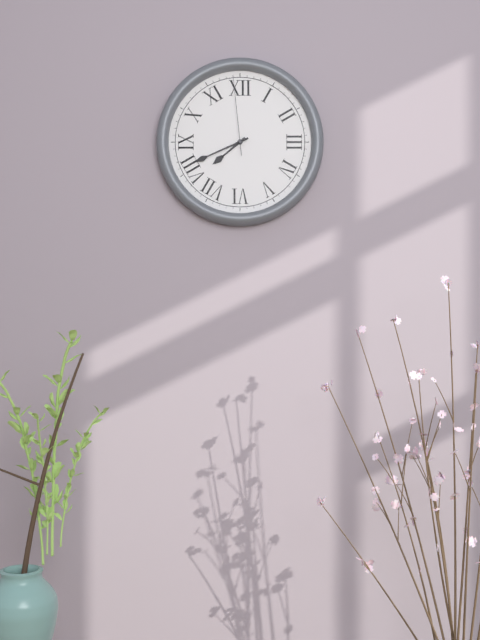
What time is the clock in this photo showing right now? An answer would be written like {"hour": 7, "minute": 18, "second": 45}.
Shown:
{"hour": 7, "minute": 41, "second": 59}
